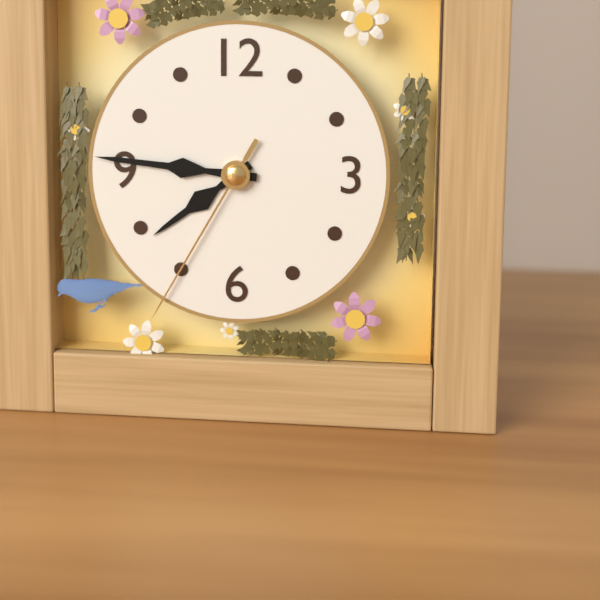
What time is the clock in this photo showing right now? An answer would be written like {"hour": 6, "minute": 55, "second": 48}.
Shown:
{"hour": 7, "minute": 46, "second": 35}
